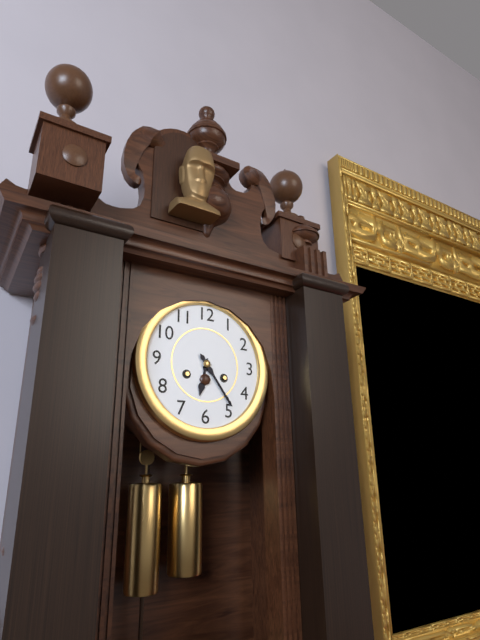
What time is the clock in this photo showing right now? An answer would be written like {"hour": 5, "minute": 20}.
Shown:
{"hour": 6, "minute": 24}
